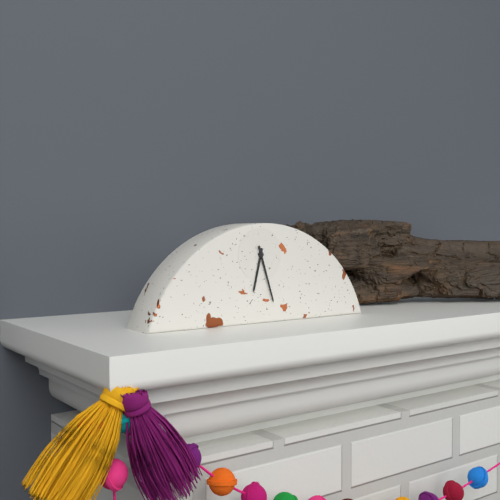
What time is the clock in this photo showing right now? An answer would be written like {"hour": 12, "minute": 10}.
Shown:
{"hour": 6, "minute": 27}
